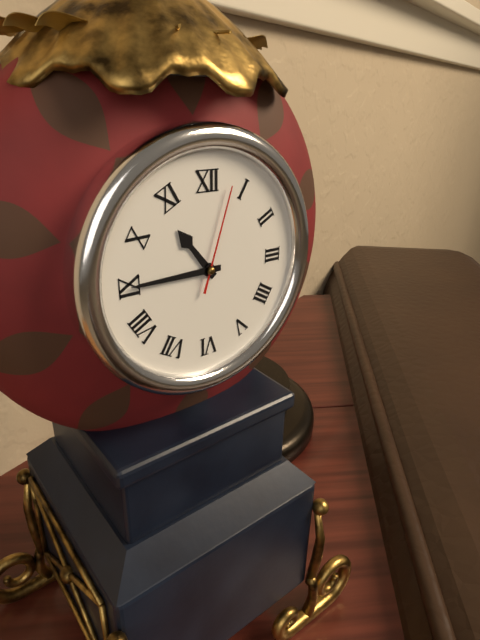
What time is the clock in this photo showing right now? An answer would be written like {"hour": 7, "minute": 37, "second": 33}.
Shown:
{"hour": 10, "minute": 45, "second": 3}
